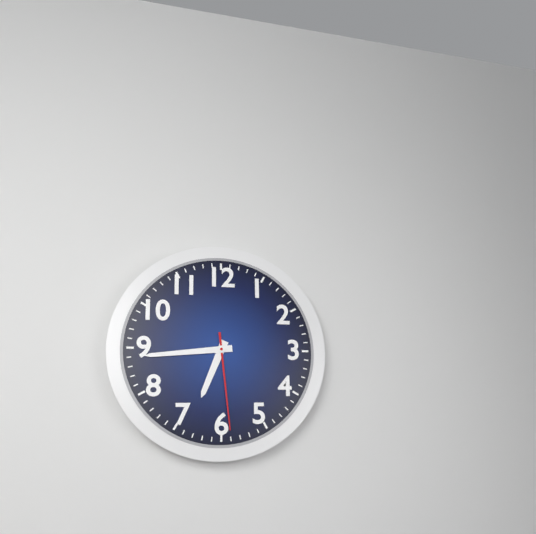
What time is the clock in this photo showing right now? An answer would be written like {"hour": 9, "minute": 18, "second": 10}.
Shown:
{"hour": 6, "minute": 44, "second": 29}
